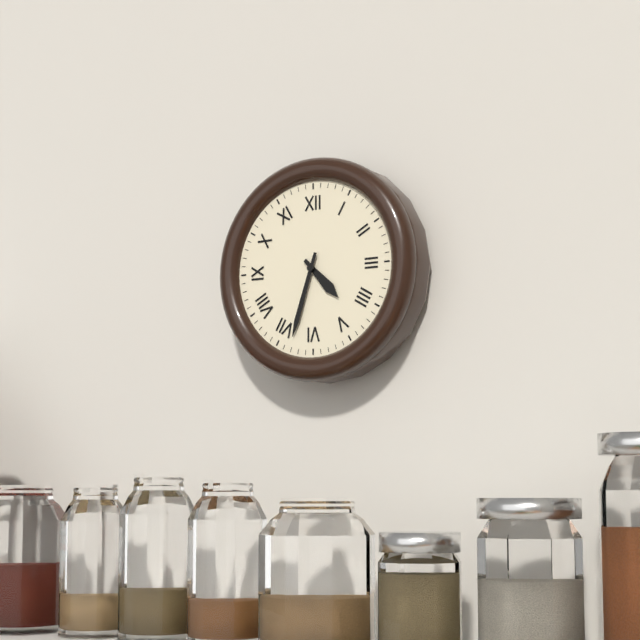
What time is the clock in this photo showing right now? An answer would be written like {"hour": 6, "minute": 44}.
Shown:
{"hour": 4, "minute": 33}
